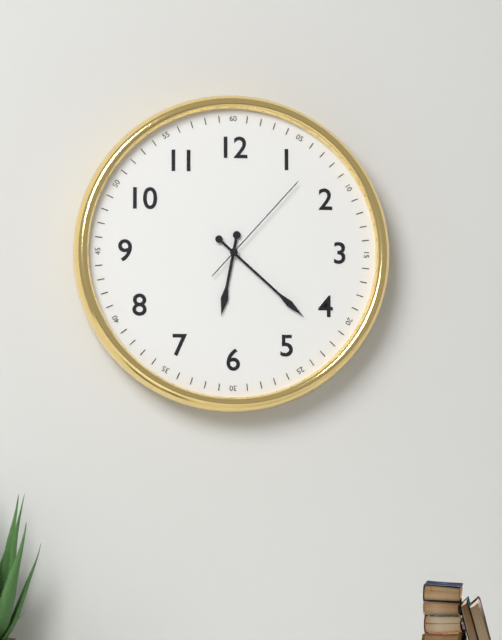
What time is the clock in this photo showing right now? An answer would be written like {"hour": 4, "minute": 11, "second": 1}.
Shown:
{"hour": 6, "minute": 22, "second": 7}
